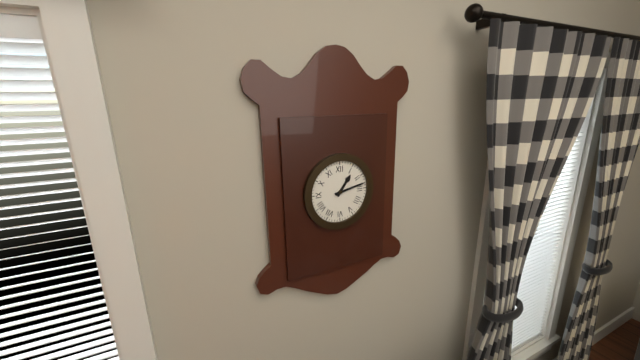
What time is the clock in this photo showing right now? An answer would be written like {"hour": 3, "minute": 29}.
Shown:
{"hour": 1, "minute": 13}
